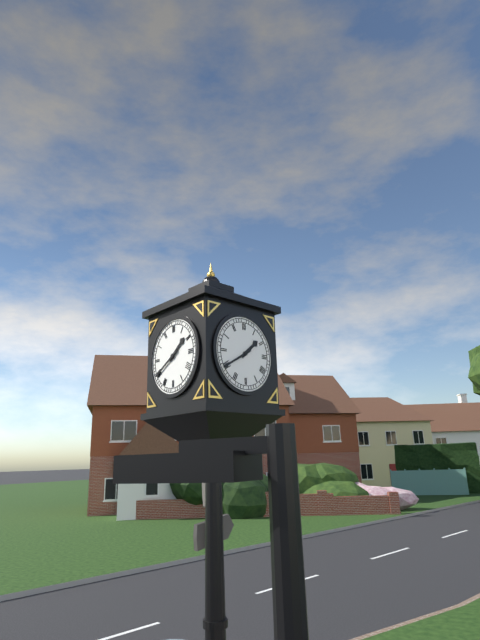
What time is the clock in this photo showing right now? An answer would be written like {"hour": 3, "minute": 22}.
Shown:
{"hour": 1, "minute": 40}
